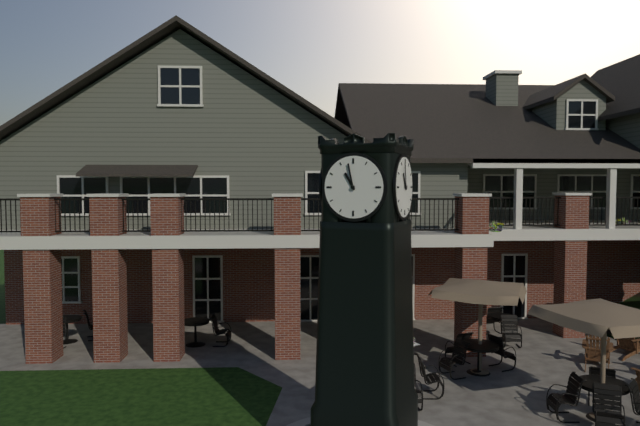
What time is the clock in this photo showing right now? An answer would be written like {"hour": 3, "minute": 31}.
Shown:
{"hour": 10, "minute": 58}
